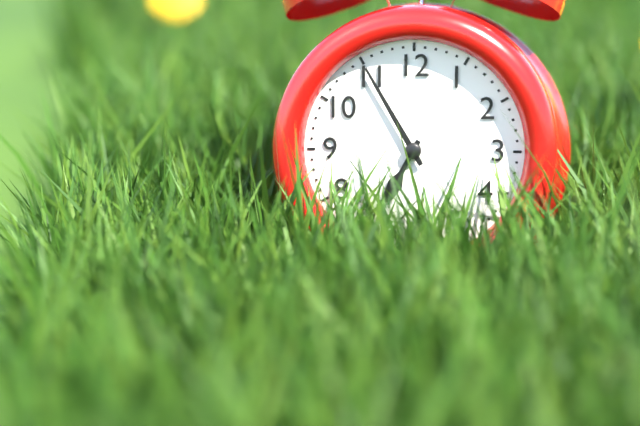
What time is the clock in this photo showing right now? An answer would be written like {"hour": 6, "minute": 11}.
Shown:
{"hour": 6, "minute": 55}
